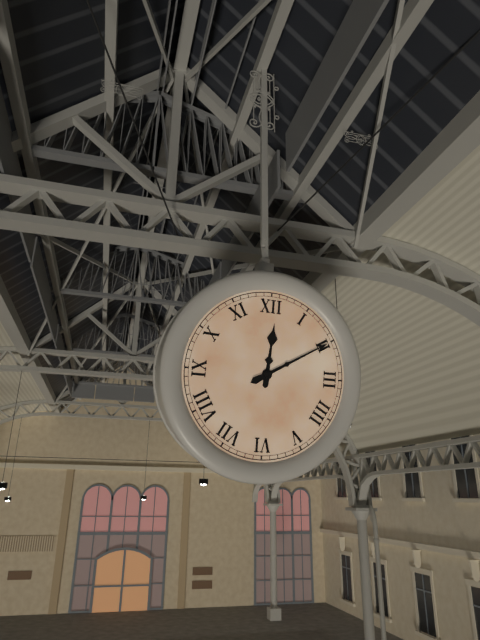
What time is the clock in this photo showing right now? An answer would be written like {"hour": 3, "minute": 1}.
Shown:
{"hour": 12, "minute": 10}
